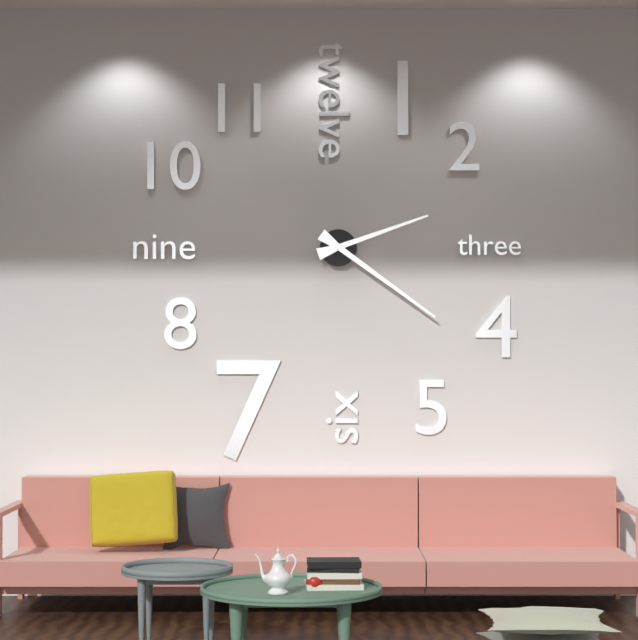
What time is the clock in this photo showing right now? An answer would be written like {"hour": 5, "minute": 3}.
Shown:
{"hour": 2, "minute": 21}
